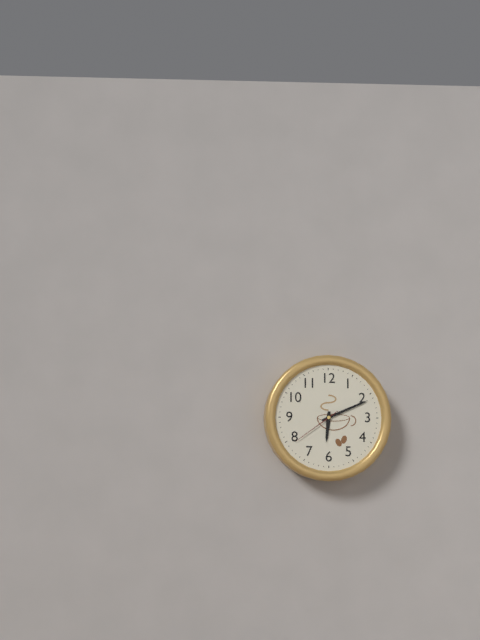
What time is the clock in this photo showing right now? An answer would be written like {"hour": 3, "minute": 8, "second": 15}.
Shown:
{"hour": 6, "minute": 11, "second": 39}
